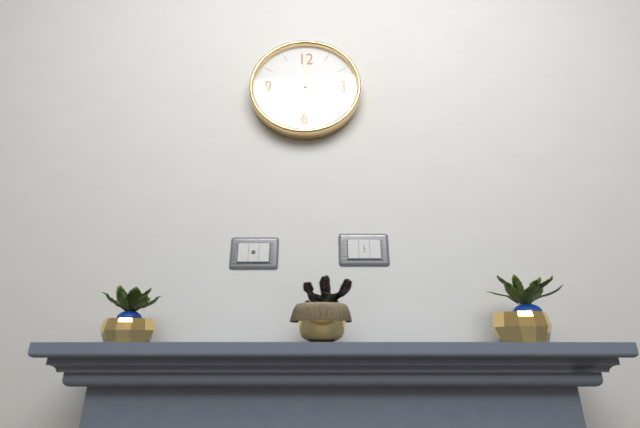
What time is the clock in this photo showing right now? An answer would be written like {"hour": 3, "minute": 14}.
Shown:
{"hour": 6, "minute": 0}
